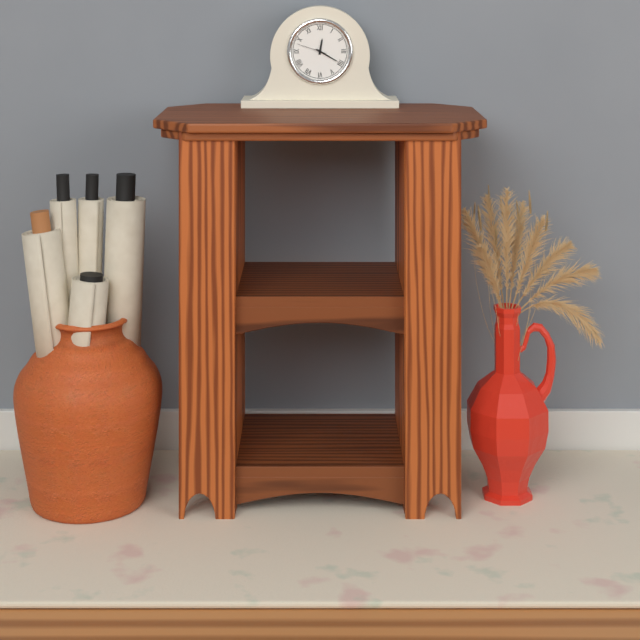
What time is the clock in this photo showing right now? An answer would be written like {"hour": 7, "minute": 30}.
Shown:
{"hour": 12, "minute": 20}
